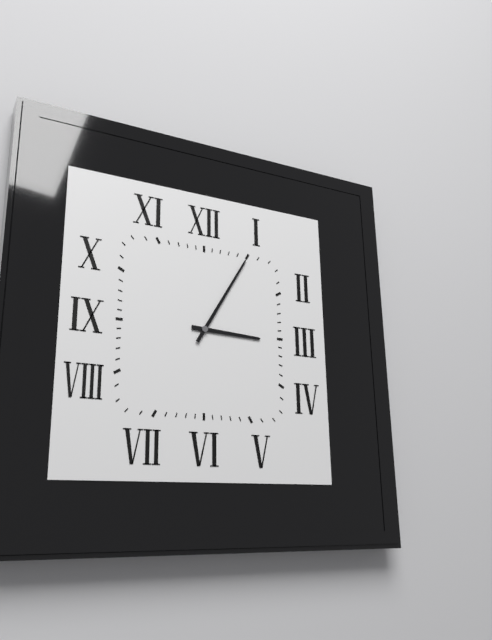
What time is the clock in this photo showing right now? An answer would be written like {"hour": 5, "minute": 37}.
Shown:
{"hour": 3, "minute": 5}
